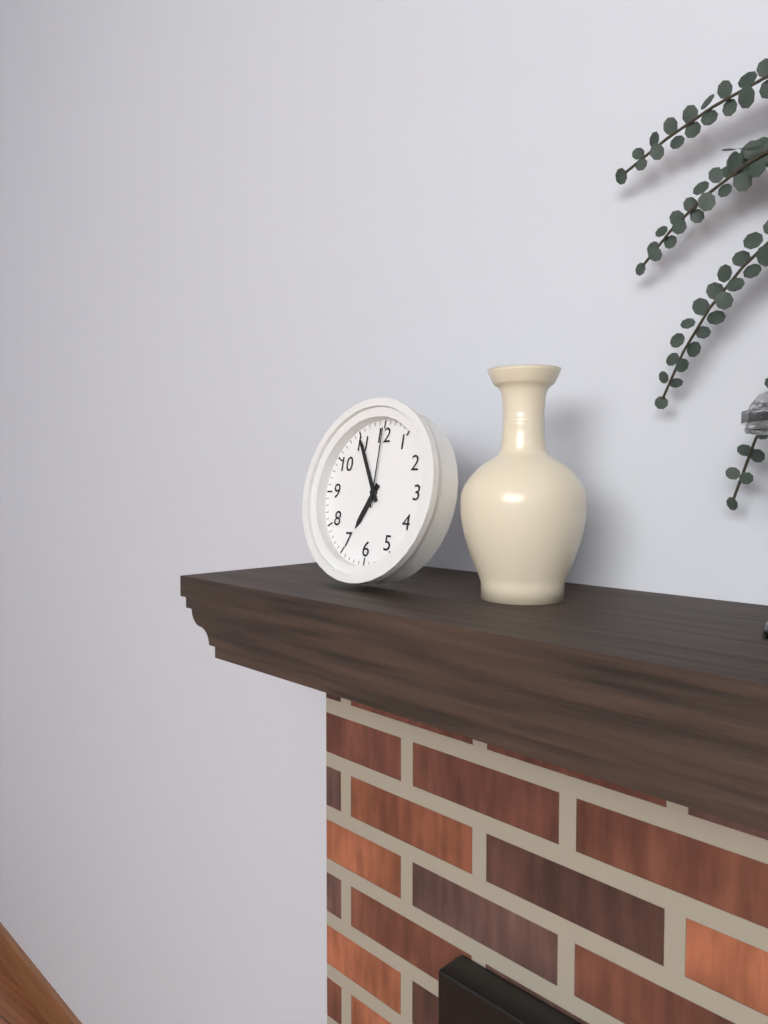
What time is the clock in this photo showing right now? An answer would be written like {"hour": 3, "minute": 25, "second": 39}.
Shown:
{"hour": 6, "minute": 55, "second": 0}
